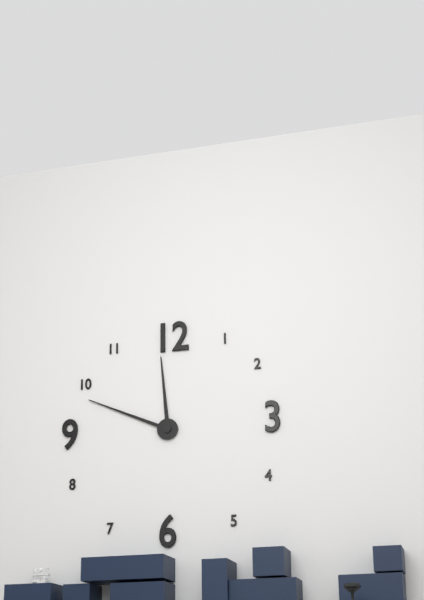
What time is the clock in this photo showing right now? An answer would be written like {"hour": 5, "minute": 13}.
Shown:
{"hour": 11, "minute": 49}
